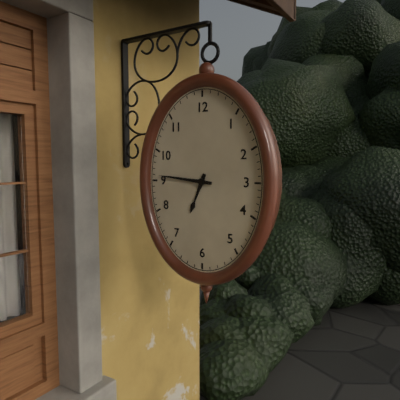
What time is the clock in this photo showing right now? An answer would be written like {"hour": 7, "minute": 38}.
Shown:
{"hour": 6, "minute": 46}
